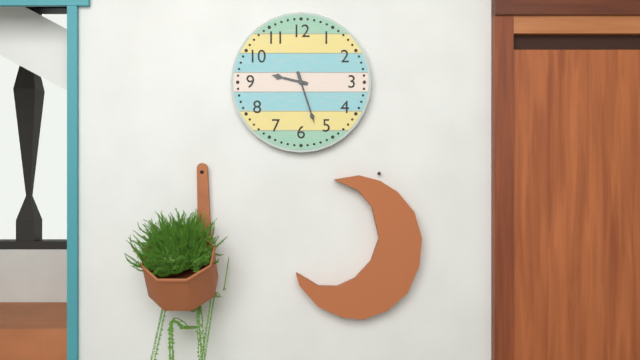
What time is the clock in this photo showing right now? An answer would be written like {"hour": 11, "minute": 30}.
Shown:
{"hour": 9, "minute": 27}
